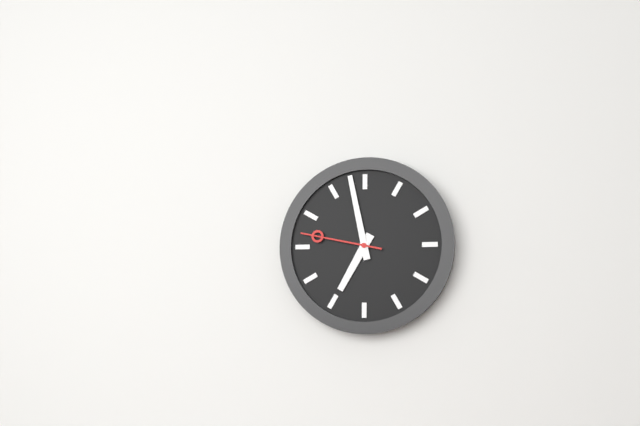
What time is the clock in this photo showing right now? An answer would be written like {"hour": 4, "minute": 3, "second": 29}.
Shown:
{"hour": 6, "minute": 58, "second": 47}
